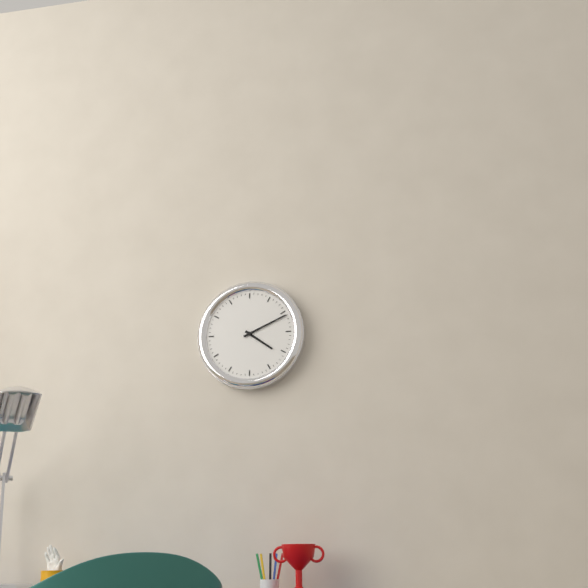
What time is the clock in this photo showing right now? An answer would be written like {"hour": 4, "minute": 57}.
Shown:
{"hour": 4, "minute": 11}
